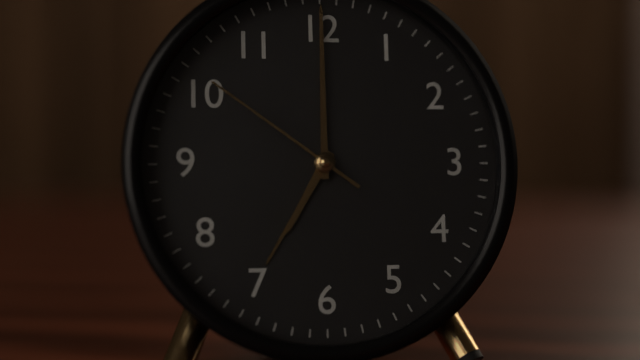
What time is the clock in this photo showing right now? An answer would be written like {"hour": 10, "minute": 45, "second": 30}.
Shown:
{"hour": 7, "minute": 0, "second": 51}
